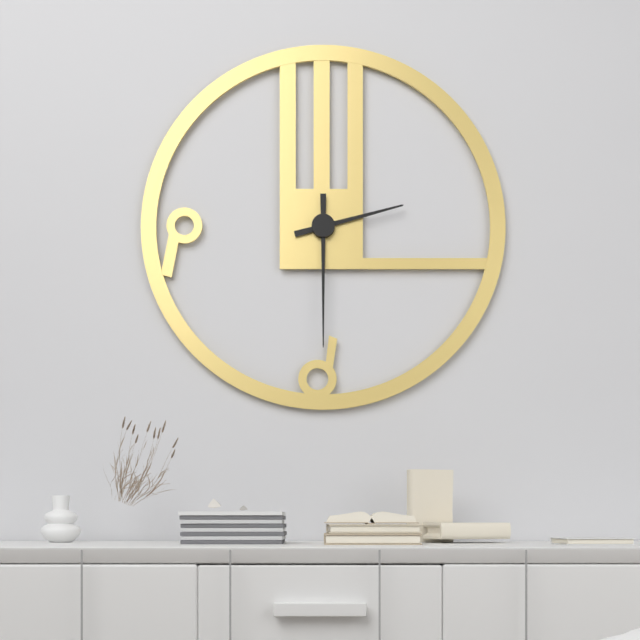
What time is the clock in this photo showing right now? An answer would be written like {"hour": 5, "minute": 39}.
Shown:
{"hour": 2, "minute": 30}
